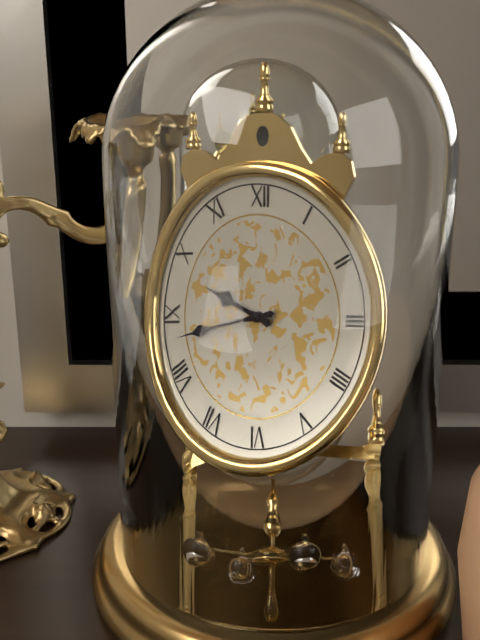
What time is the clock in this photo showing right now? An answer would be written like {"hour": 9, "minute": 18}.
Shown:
{"hour": 9, "minute": 43}
